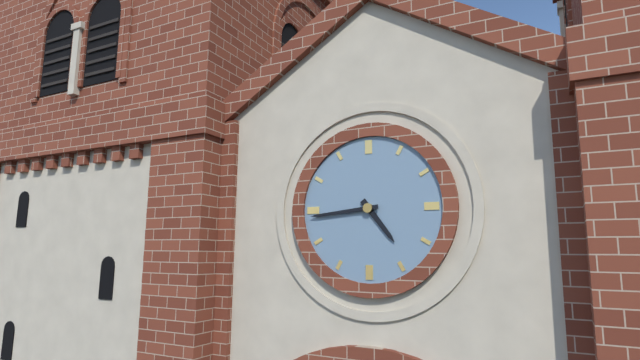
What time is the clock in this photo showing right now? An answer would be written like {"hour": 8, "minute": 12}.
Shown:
{"hour": 4, "minute": 44}
